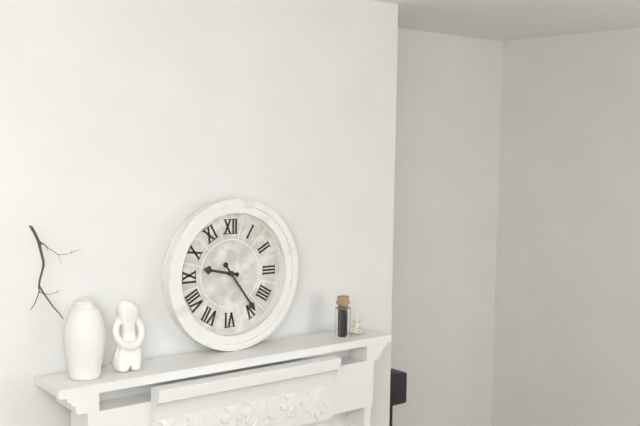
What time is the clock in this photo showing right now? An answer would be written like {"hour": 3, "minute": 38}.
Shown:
{"hour": 9, "minute": 24}
